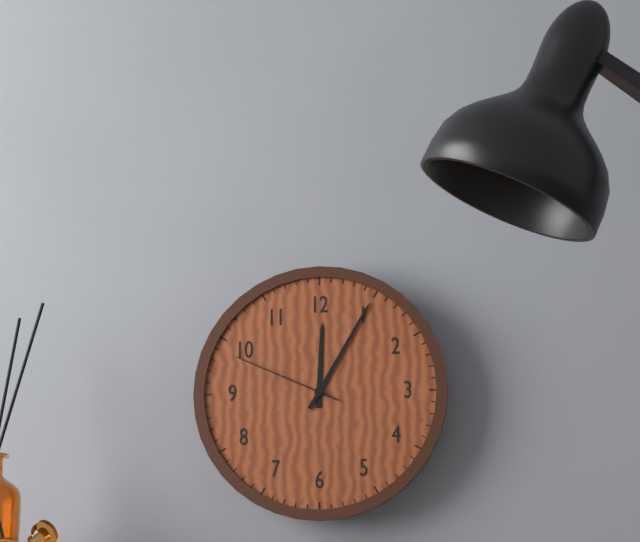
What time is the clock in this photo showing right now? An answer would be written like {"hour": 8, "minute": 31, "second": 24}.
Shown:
{"hour": 12, "minute": 5, "second": 49}
